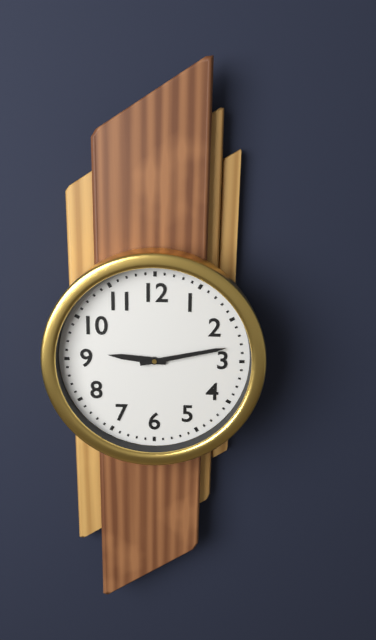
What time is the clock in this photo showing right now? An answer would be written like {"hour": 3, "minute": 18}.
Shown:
{"hour": 9, "minute": 13}
